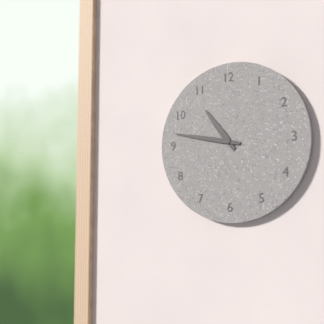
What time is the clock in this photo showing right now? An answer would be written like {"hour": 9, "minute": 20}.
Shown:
{"hour": 10, "minute": 47}
